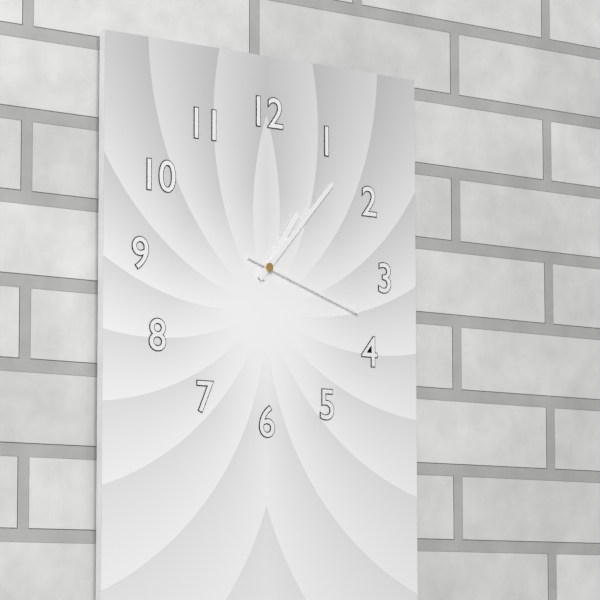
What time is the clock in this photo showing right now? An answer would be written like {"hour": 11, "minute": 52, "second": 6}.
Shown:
{"hour": 1, "minute": 7, "second": 18}
